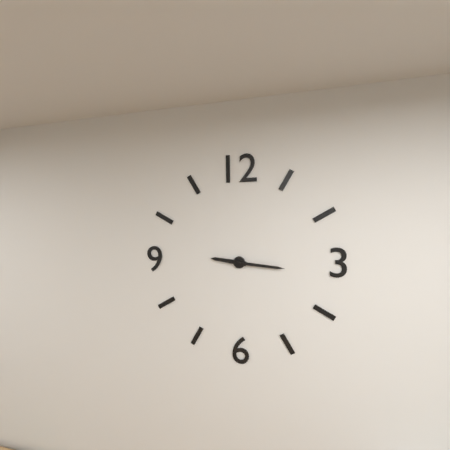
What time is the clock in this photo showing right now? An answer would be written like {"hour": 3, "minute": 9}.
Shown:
{"hour": 9, "minute": 16}
